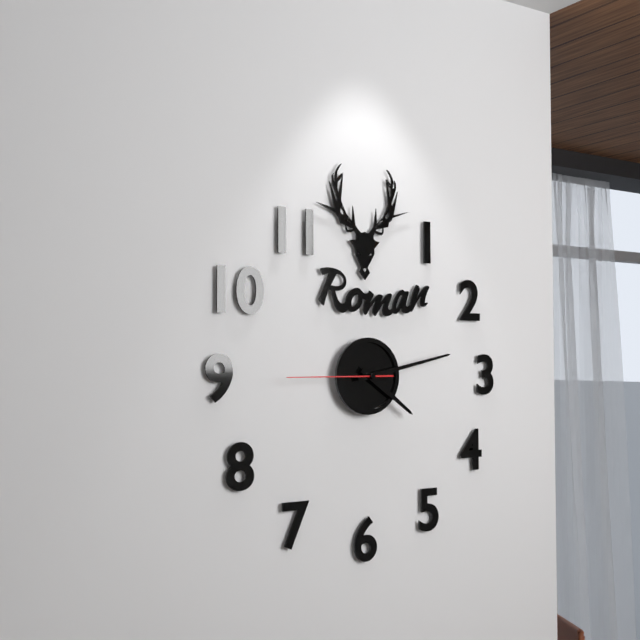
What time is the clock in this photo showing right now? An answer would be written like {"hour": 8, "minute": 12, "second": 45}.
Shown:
{"hour": 4, "minute": 13, "second": 45}
